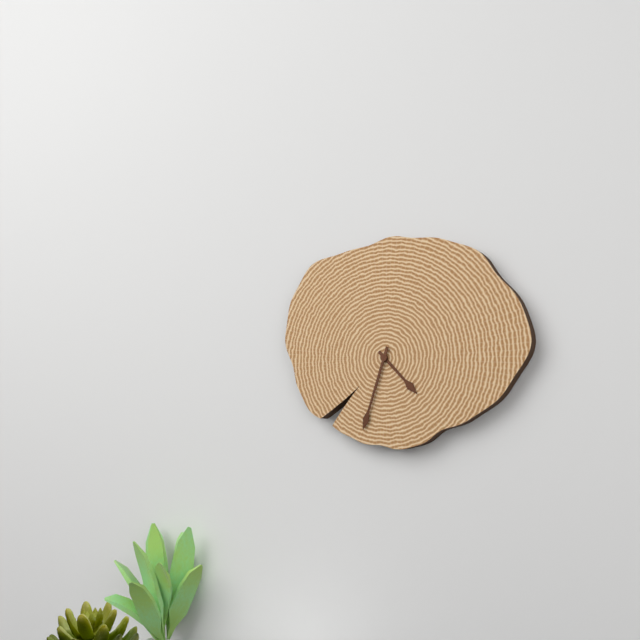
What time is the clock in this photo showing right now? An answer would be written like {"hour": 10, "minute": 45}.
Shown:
{"hour": 4, "minute": 33}
